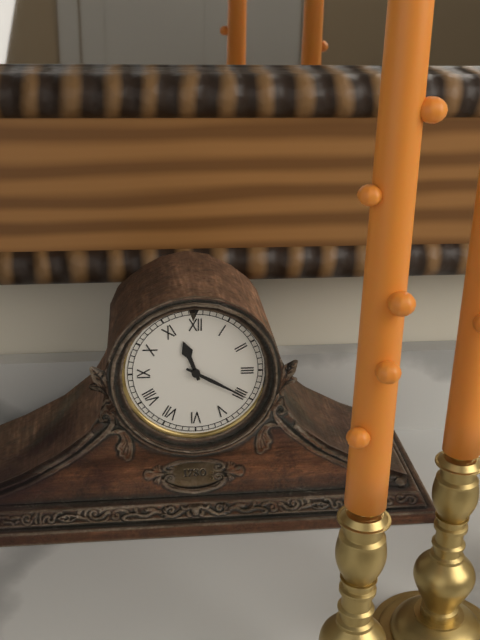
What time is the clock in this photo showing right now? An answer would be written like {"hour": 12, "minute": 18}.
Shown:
{"hour": 11, "minute": 20}
